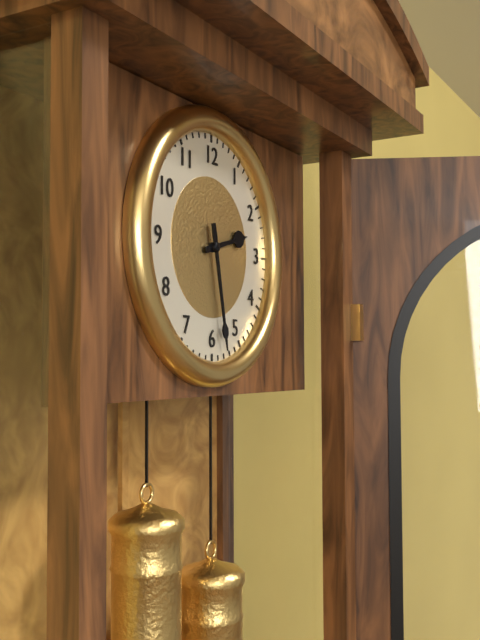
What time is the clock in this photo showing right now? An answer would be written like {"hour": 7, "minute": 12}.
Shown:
{"hour": 2, "minute": 28}
